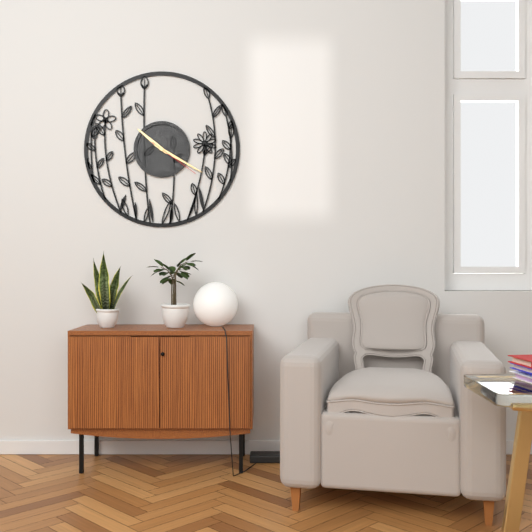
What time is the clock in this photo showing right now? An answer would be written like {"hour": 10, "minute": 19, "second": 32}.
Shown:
{"hour": 10, "minute": 20, "second": 21}
